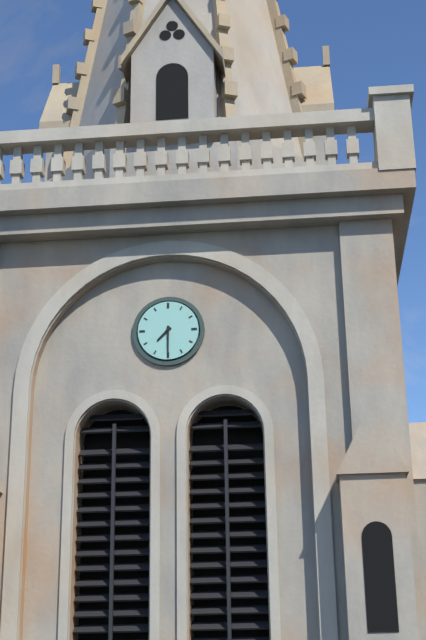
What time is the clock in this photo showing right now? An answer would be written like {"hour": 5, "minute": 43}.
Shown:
{"hour": 7, "minute": 30}
